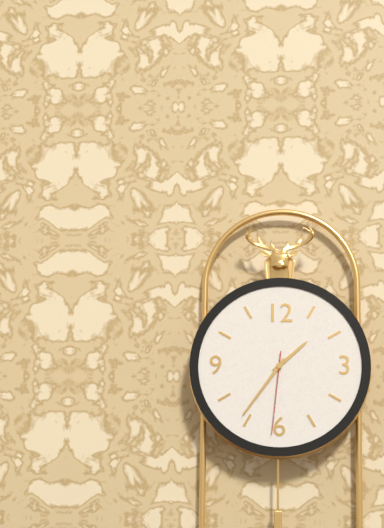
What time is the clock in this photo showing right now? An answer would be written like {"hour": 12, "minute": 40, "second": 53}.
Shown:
{"hour": 1, "minute": 36, "second": 31}
